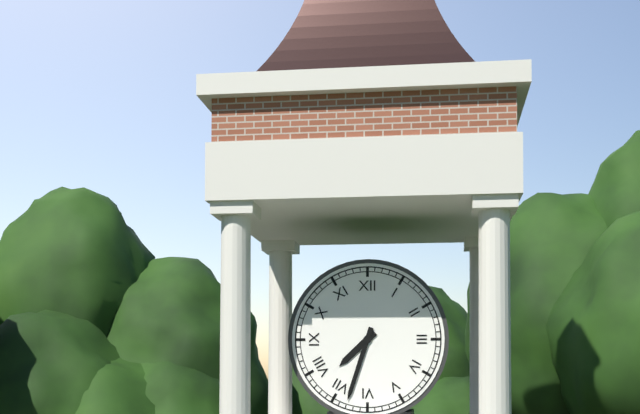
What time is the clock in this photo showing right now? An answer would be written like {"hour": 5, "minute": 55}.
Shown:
{"hour": 7, "minute": 33}
